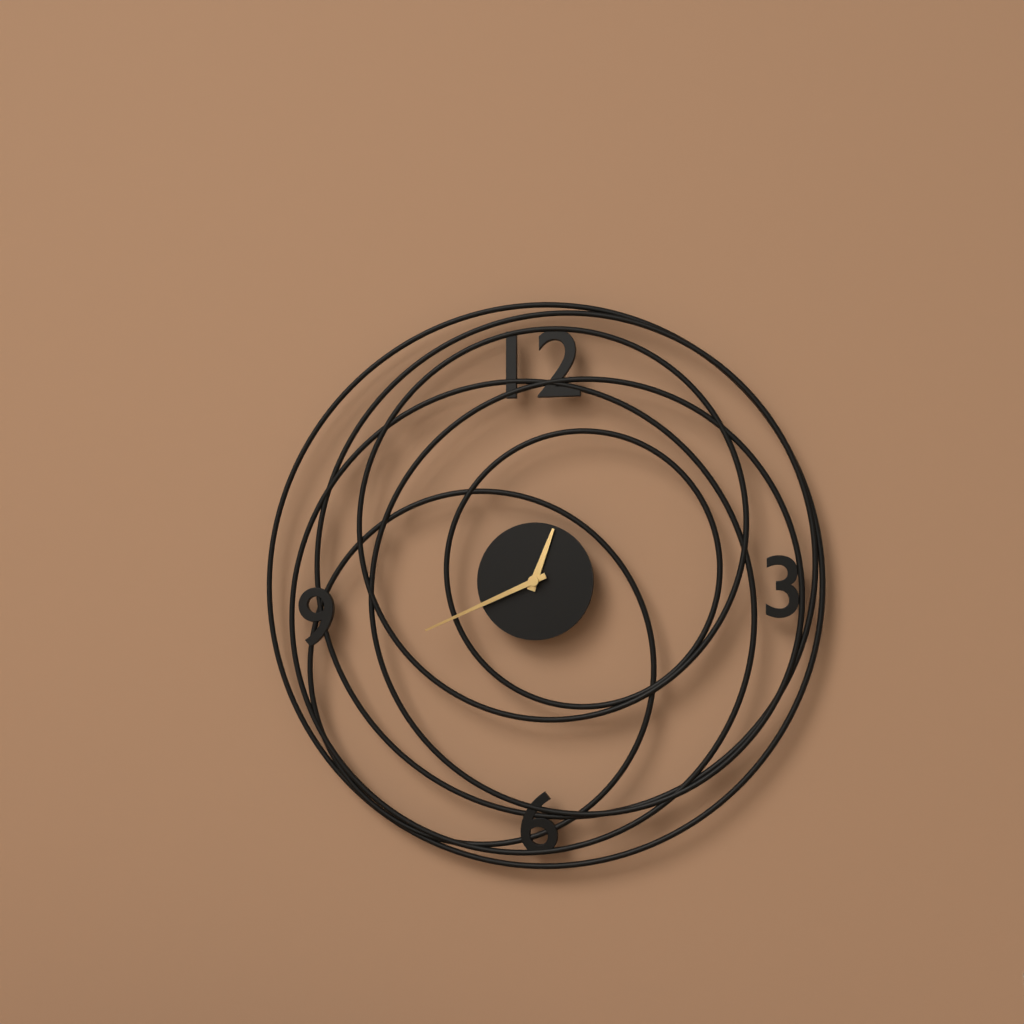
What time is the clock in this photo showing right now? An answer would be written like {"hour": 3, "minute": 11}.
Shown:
{"hour": 12, "minute": 41}
